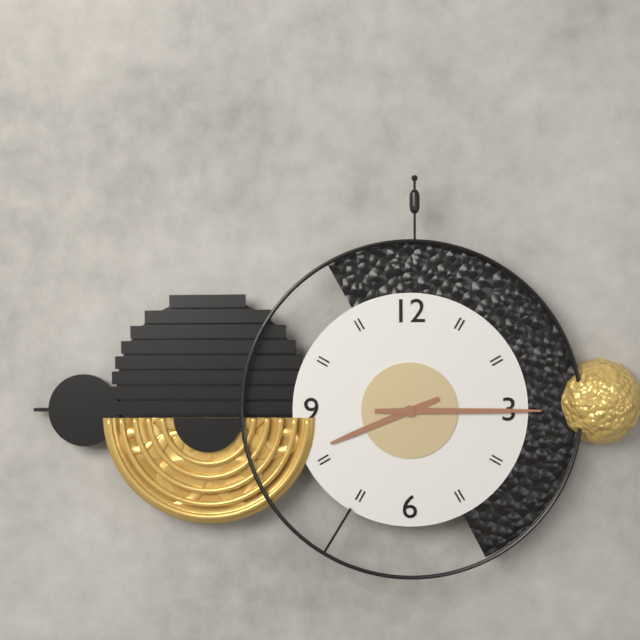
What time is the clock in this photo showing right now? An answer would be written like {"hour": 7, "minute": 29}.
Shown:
{"hour": 8, "minute": 15}
